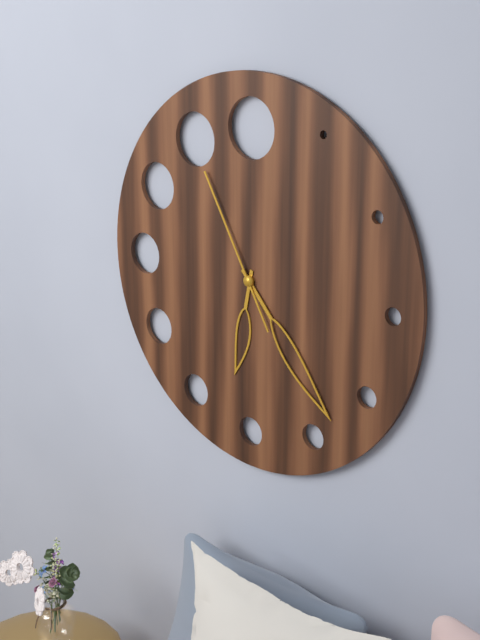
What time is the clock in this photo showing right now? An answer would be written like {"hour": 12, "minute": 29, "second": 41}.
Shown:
{"hour": 6, "minute": 23, "second": 55}
